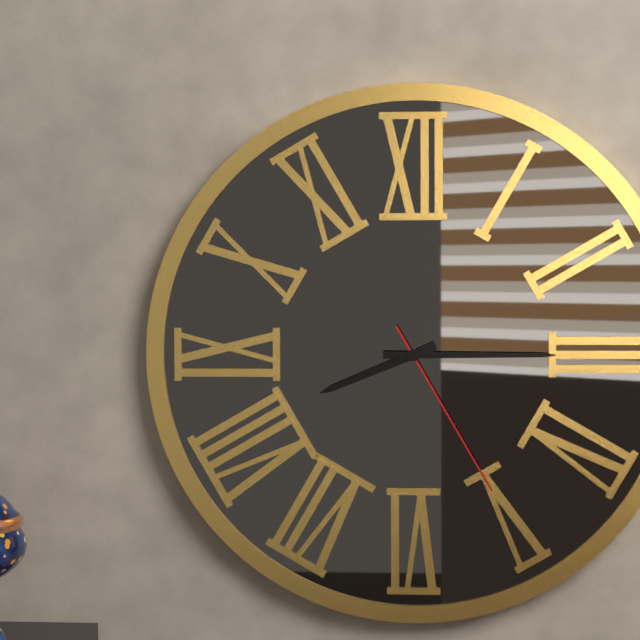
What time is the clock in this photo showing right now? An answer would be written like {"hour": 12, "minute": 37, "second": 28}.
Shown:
{"hour": 8, "minute": 15, "second": 25}
